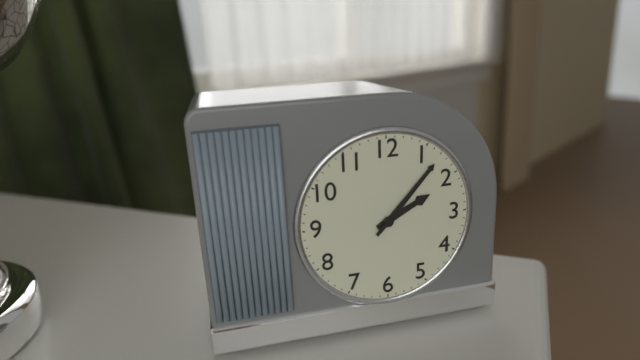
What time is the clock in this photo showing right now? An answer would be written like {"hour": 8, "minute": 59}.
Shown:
{"hour": 2, "minute": 7}
